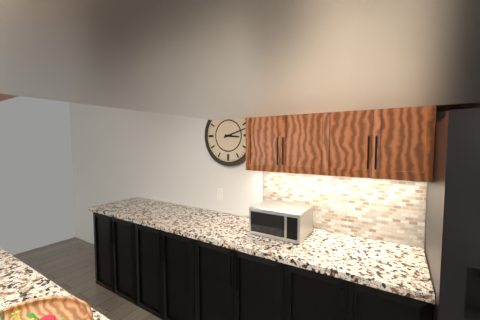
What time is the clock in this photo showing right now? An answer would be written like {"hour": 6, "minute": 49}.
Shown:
{"hour": 3, "minute": 12}
